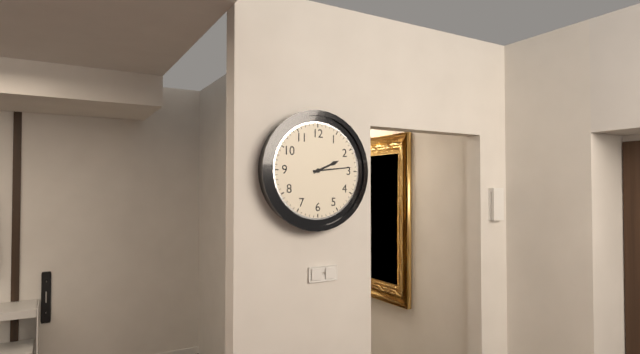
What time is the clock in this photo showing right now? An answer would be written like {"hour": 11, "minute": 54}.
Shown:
{"hour": 2, "minute": 14}
